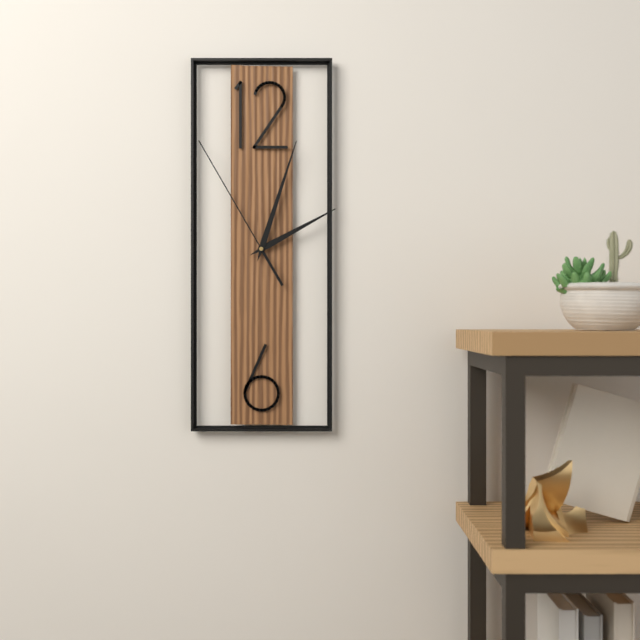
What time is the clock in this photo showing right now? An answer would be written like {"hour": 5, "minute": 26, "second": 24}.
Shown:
{"hour": 2, "minute": 3, "second": 55}
